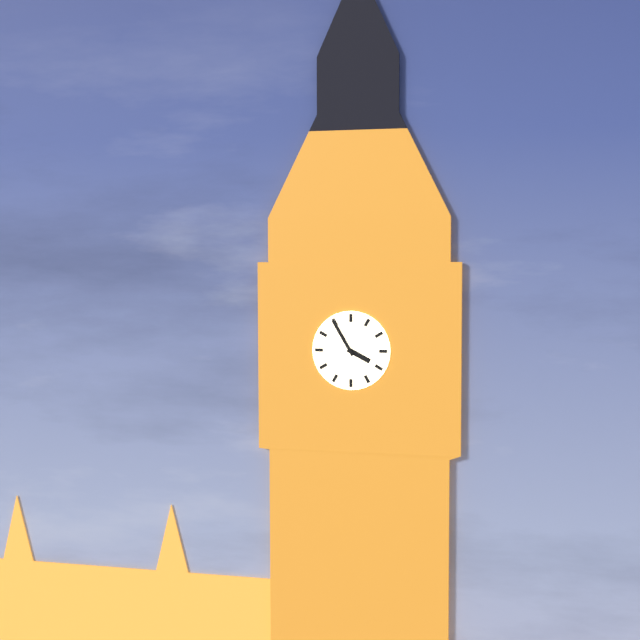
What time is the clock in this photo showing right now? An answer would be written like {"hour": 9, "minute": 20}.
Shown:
{"hour": 3, "minute": 55}
